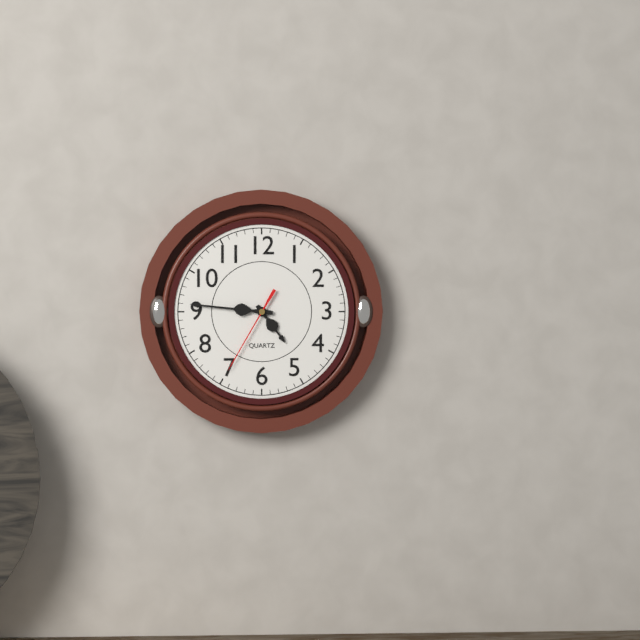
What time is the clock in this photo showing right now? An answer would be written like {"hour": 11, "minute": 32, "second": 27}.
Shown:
{"hour": 4, "minute": 46, "second": 35}
